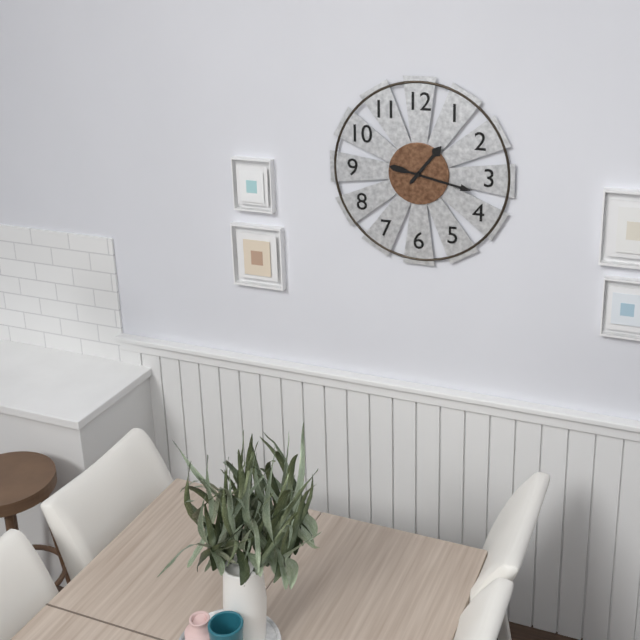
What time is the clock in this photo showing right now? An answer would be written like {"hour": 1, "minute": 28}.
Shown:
{"hour": 1, "minute": 17}
